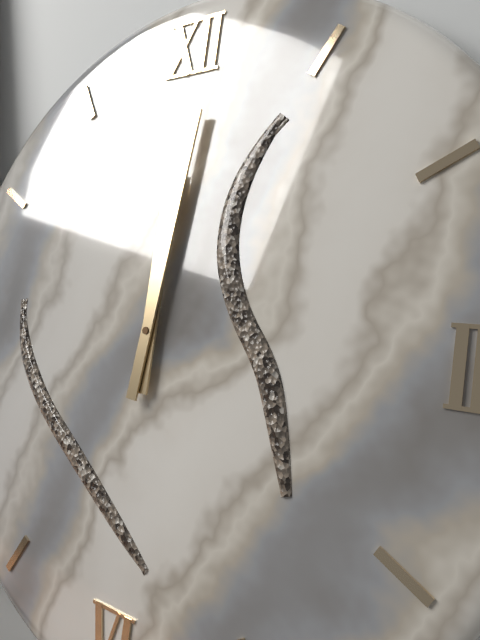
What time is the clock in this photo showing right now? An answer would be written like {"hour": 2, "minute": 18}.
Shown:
{"hour": 12, "minute": 1}
